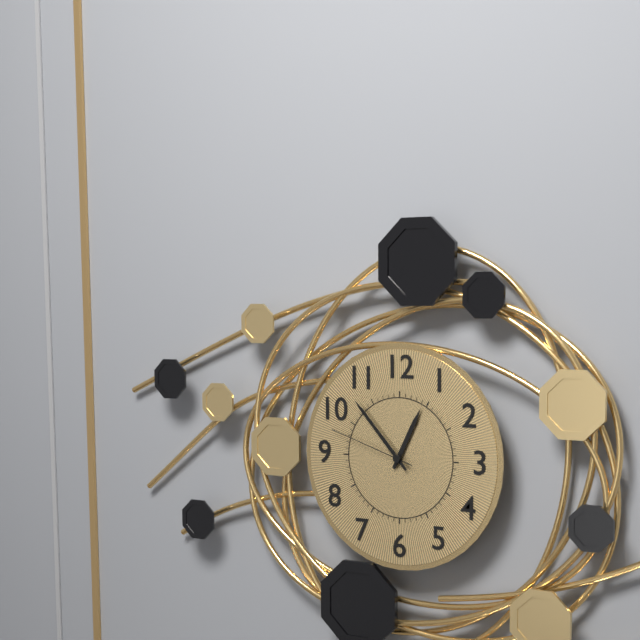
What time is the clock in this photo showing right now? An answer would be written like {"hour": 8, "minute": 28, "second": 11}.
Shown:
{"hour": 12, "minute": 53, "second": 48}
